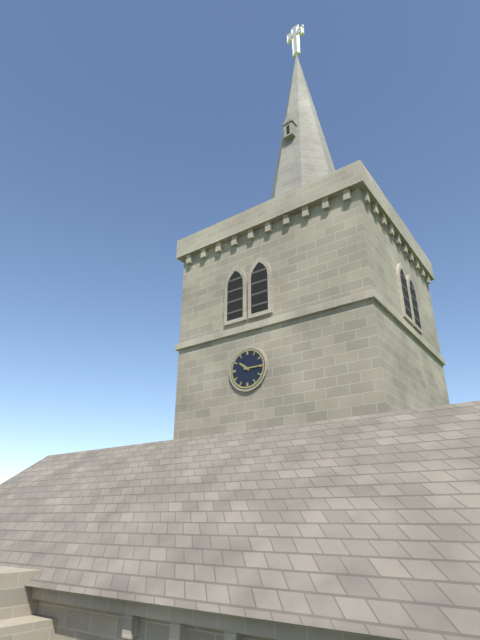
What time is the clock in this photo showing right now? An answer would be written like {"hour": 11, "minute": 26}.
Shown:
{"hour": 10, "minute": 15}
